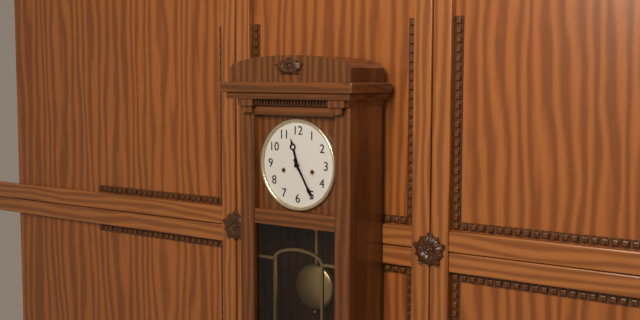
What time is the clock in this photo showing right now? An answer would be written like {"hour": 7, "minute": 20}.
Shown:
{"hour": 11, "minute": 25}
